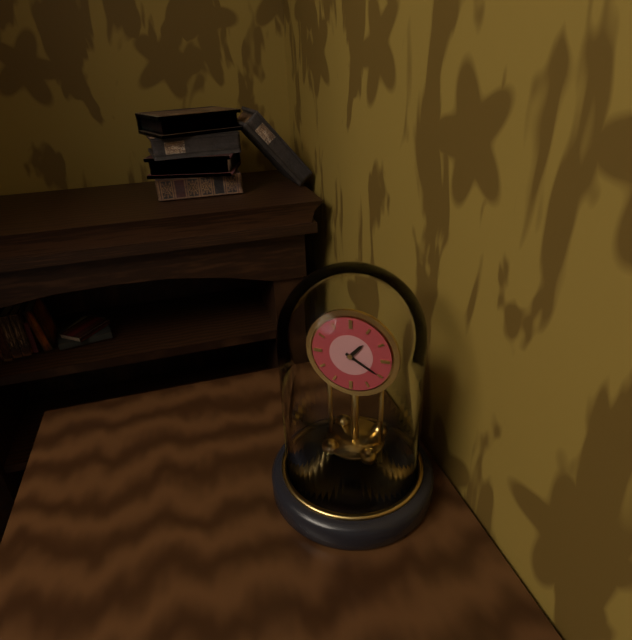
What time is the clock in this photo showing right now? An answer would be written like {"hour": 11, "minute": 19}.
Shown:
{"hour": 1, "minute": 20}
